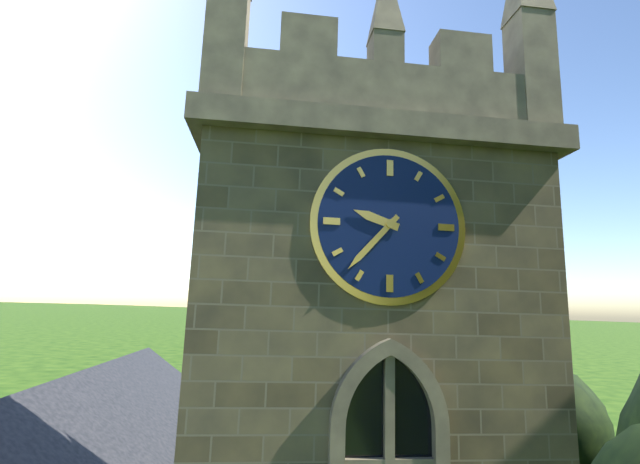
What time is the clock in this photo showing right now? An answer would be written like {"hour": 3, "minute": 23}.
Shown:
{"hour": 9, "minute": 37}
